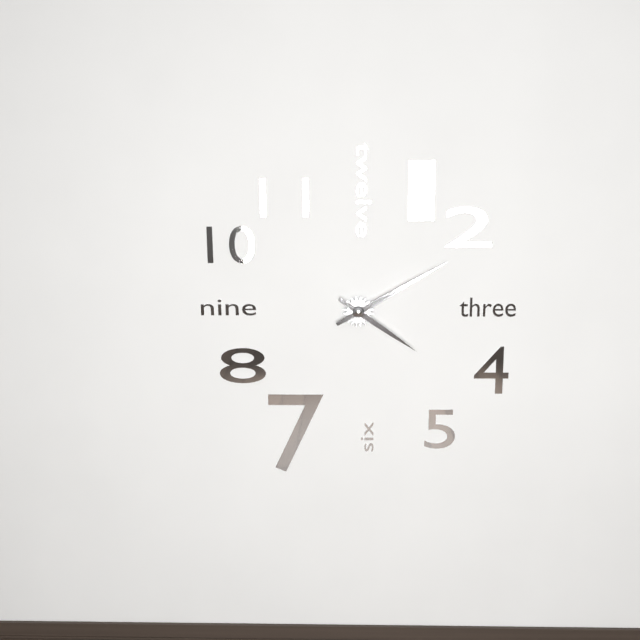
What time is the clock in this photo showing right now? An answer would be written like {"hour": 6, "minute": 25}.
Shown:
{"hour": 4, "minute": 10}
